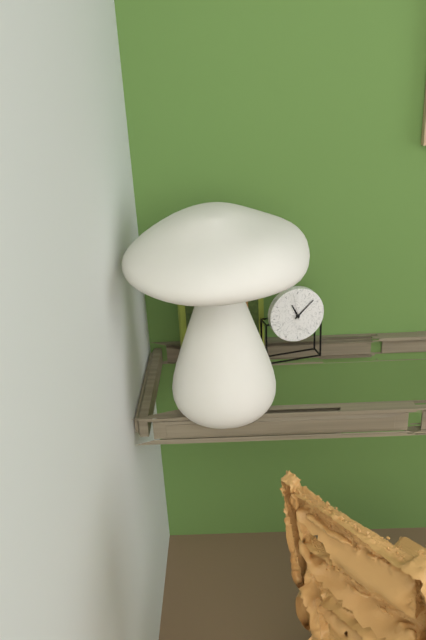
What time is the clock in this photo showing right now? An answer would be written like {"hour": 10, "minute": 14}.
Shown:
{"hour": 11, "minute": 8}
